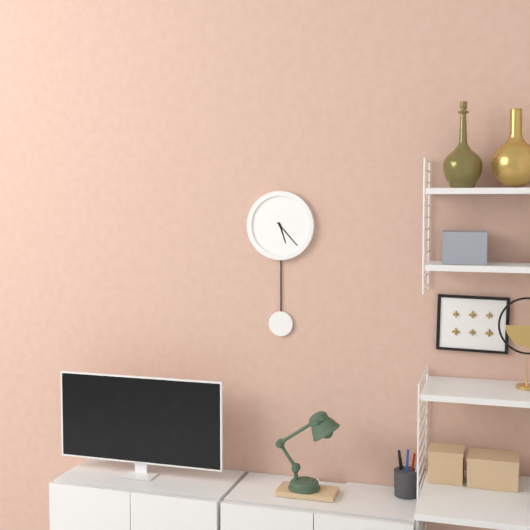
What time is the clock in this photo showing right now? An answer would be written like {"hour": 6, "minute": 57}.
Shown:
{"hour": 5, "minute": 23}
